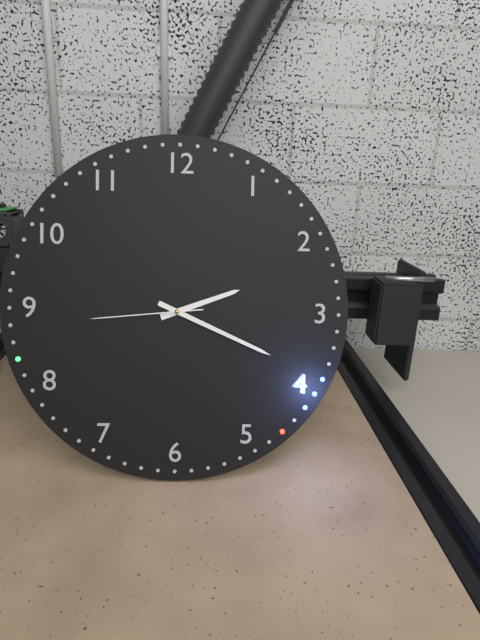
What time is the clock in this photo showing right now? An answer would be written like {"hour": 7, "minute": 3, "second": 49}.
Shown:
{"hour": 2, "minute": 19, "second": 44}
